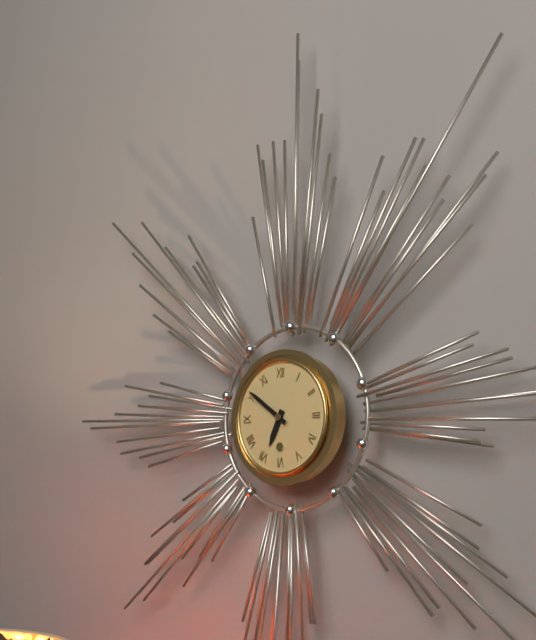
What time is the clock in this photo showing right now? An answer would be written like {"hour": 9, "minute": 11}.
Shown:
{"hour": 6, "minute": 51}
